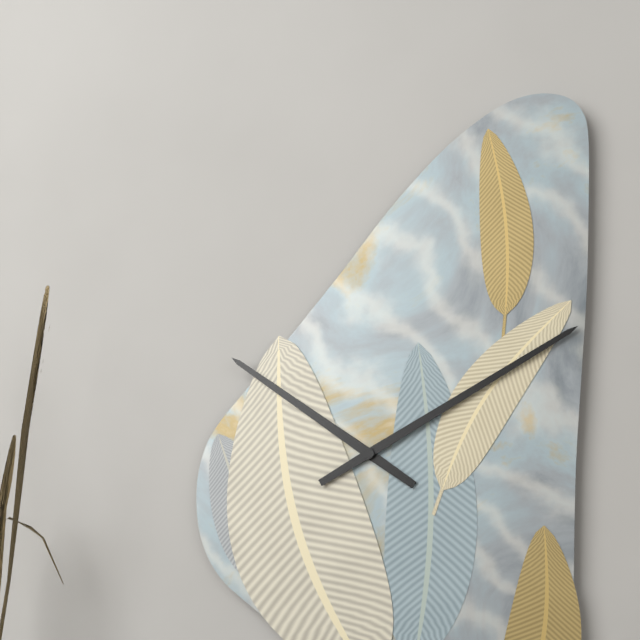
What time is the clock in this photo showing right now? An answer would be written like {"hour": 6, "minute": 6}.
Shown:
{"hour": 10, "minute": 10}
